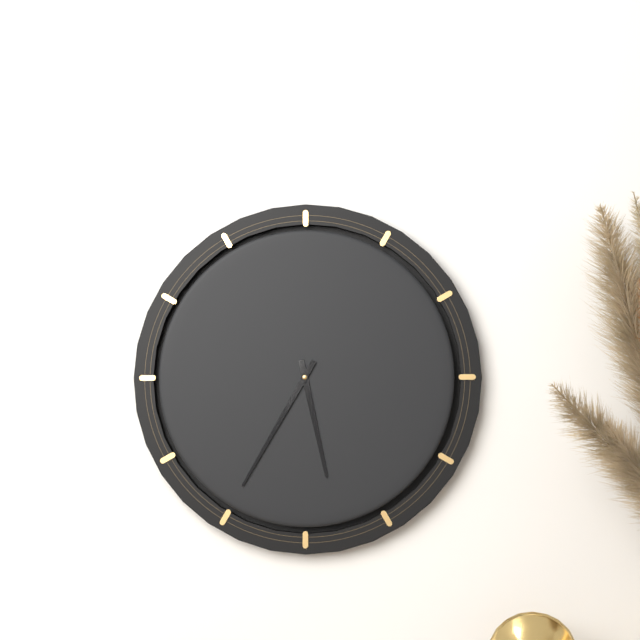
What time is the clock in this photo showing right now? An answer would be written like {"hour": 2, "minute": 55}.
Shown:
{"hour": 5, "minute": 35}
